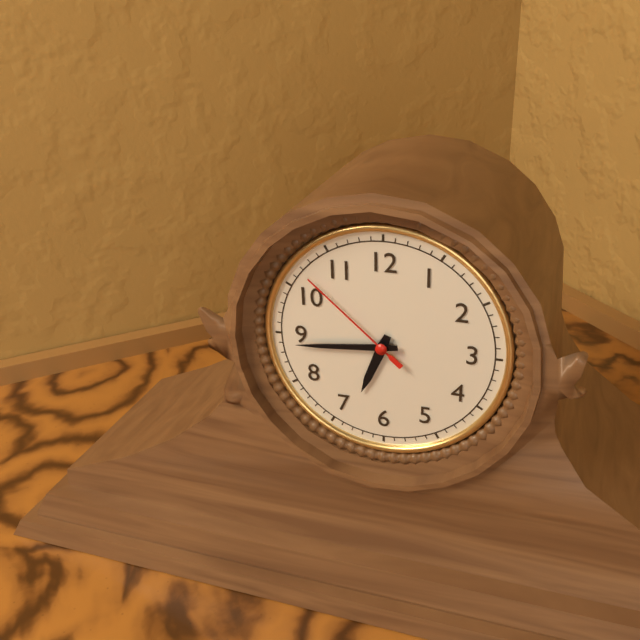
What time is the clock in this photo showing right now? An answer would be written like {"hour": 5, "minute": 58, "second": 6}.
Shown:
{"hour": 6, "minute": 44, "second": 52}
